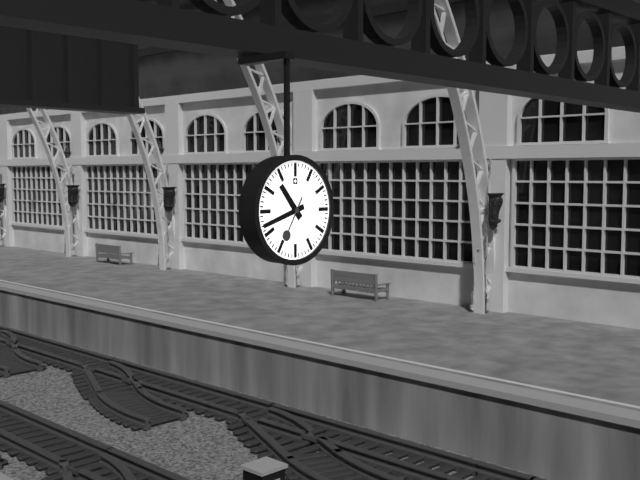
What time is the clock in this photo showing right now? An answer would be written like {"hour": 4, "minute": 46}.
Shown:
{"hour": 10, "minute": 42}
